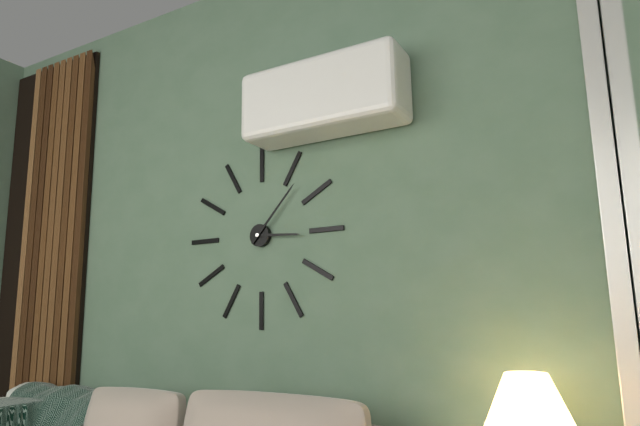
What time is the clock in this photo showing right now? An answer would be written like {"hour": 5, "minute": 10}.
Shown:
{"hour": 3, "minute": 7}
